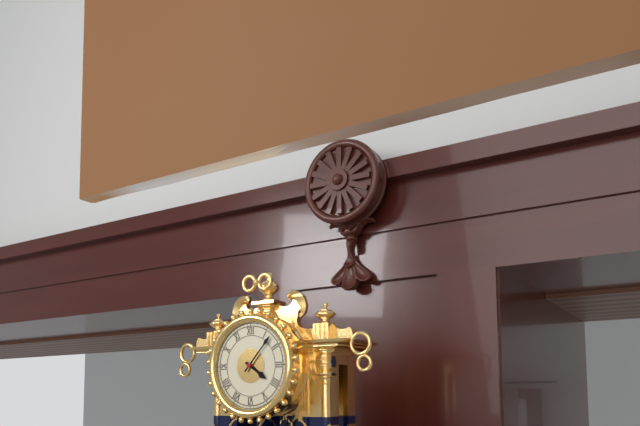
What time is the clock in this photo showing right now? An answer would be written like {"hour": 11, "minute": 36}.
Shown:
{"hour": 4, "minute": 7}
